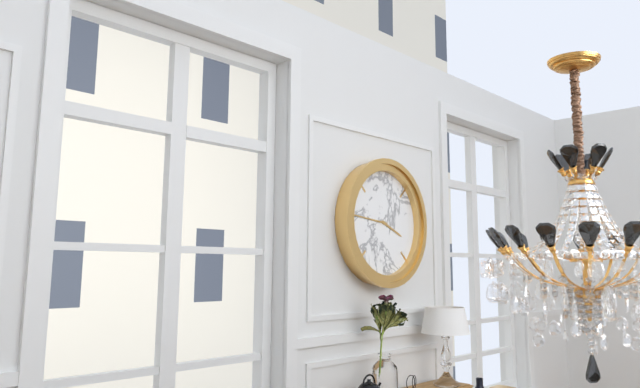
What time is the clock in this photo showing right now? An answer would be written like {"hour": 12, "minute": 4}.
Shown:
{"hour": 3, "minute": 46}
